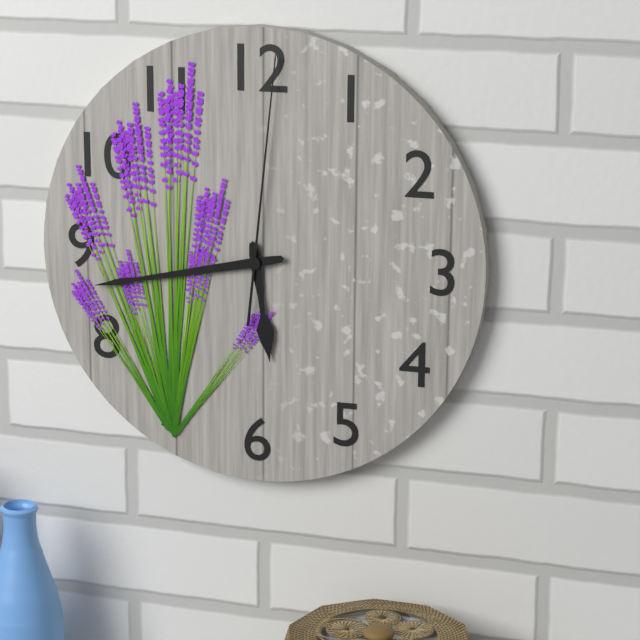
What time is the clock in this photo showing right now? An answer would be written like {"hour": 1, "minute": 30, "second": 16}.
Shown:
{"hour": 5, "minute": 43, "second": 1}
